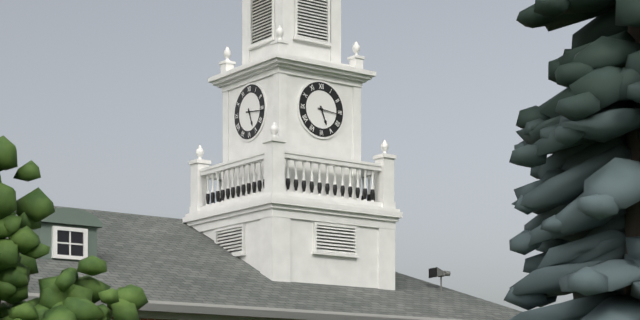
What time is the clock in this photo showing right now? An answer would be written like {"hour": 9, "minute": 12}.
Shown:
{"hour": 5, "minute": 16}
